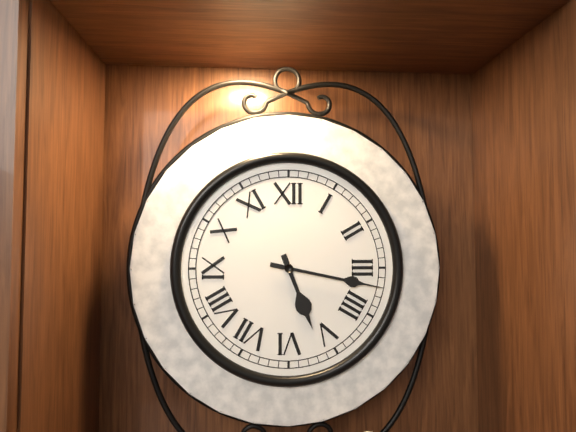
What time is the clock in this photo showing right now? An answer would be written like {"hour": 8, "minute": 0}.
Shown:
{"hour": 5, "minute": 17}
